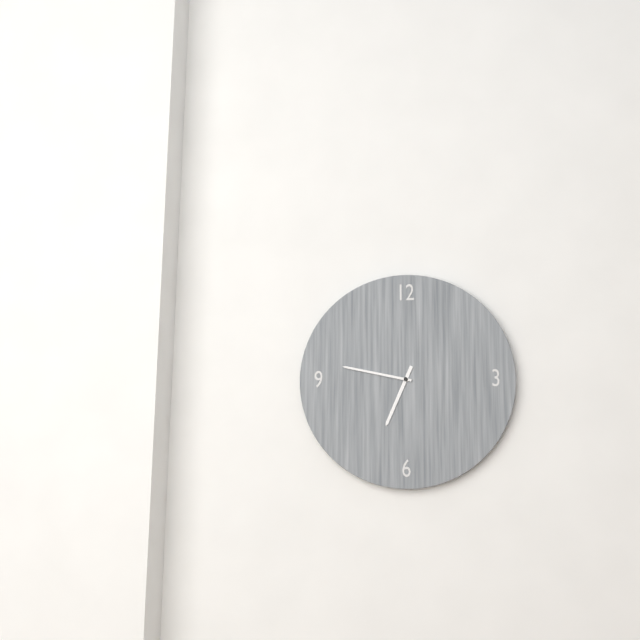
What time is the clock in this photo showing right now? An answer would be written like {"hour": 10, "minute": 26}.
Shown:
{"hour": 6, "minute": 47}
